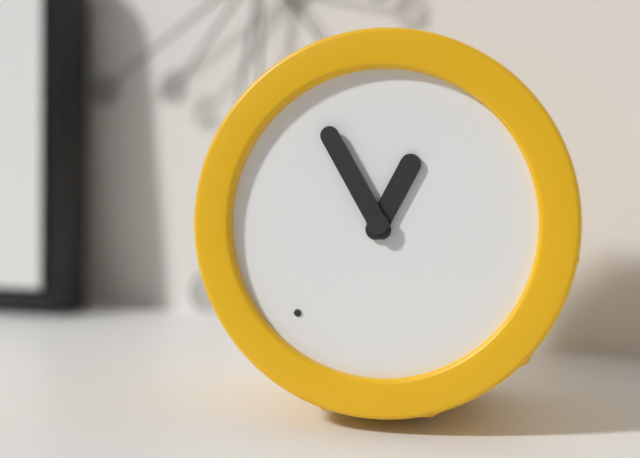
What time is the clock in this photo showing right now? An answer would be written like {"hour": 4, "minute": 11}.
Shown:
{"hour": 12, "minute": 55}
